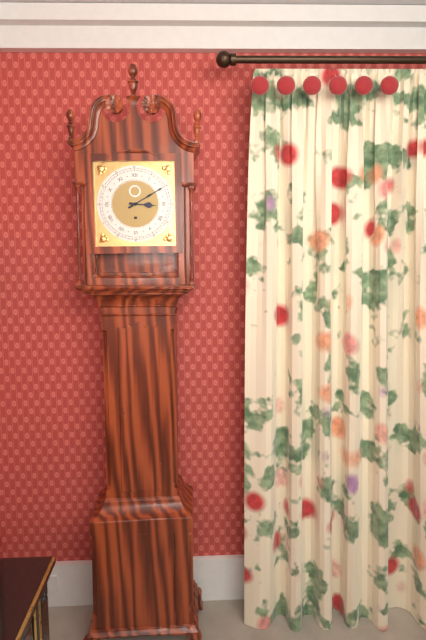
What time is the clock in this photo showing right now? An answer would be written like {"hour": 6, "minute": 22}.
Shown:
{"hour": 3, "minute": 10}
